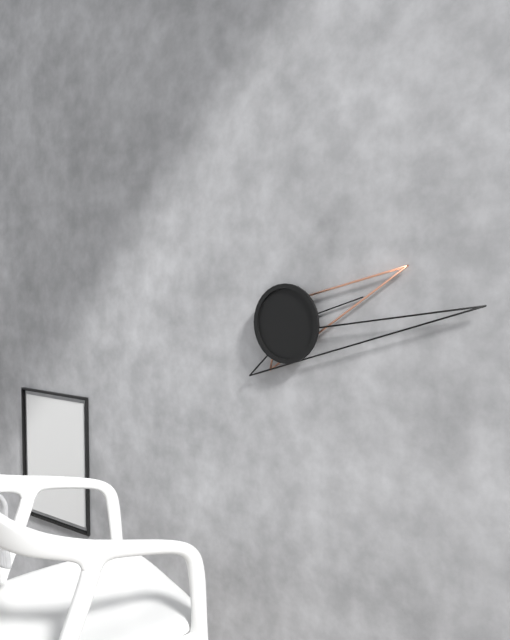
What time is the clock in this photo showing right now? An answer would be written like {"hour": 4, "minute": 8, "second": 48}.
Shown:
{"hour": 2, "minute": 14, "second": 12}
